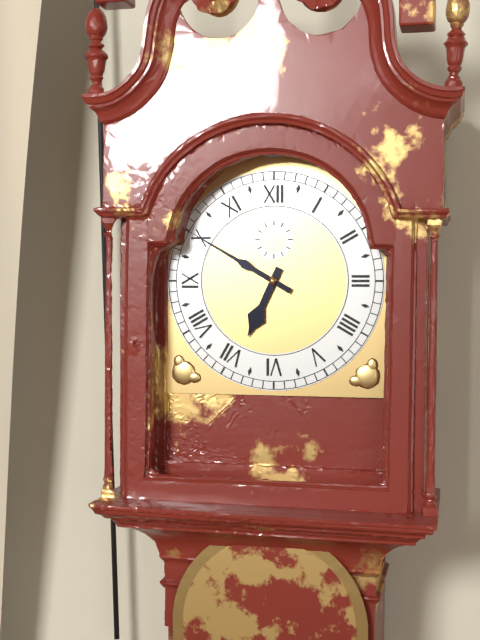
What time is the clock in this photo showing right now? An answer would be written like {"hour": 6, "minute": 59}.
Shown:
{"hour": 6, "minute": 50}
